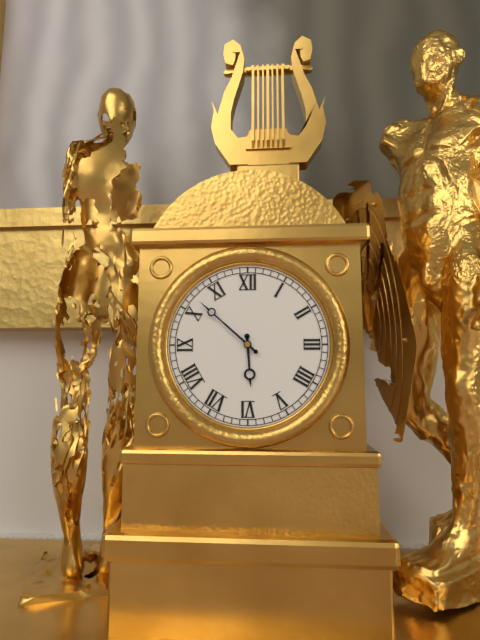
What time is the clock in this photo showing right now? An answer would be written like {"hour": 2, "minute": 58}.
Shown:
{"hour": 5, "minute": 52}
